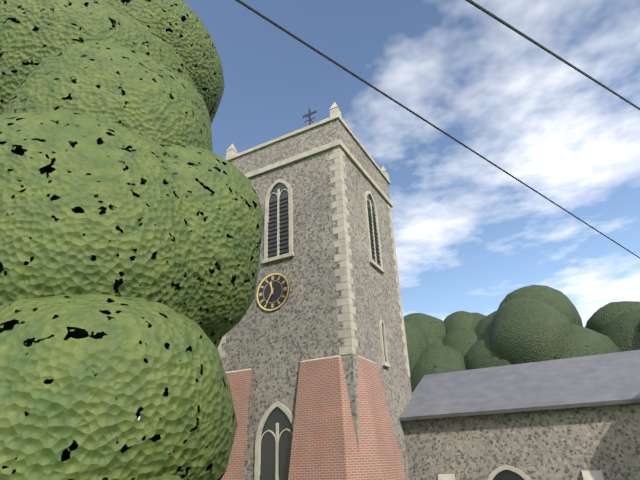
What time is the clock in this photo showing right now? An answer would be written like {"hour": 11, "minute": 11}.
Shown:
{"hour": 11, "minute": 35}
